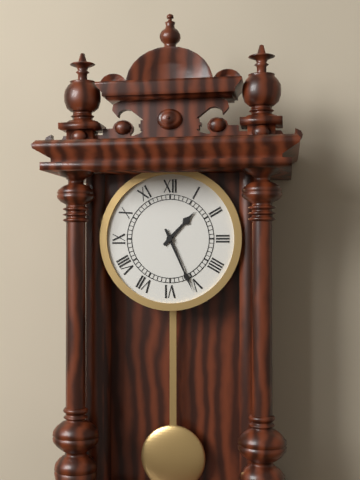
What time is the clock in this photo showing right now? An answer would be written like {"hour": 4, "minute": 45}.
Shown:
{"hour": 1, "minute": 26}
